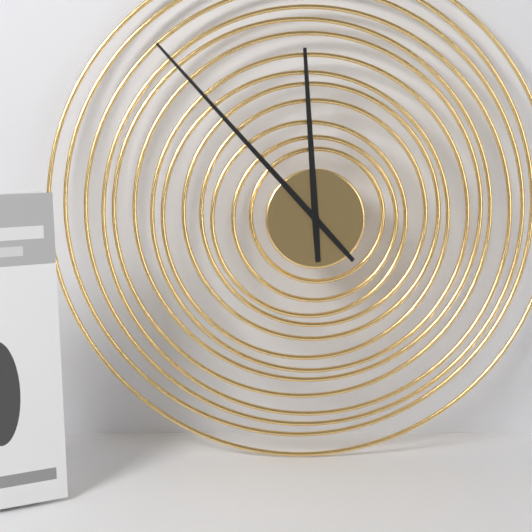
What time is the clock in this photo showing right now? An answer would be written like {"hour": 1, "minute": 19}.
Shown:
{"hour": 11, "minute": 53}
